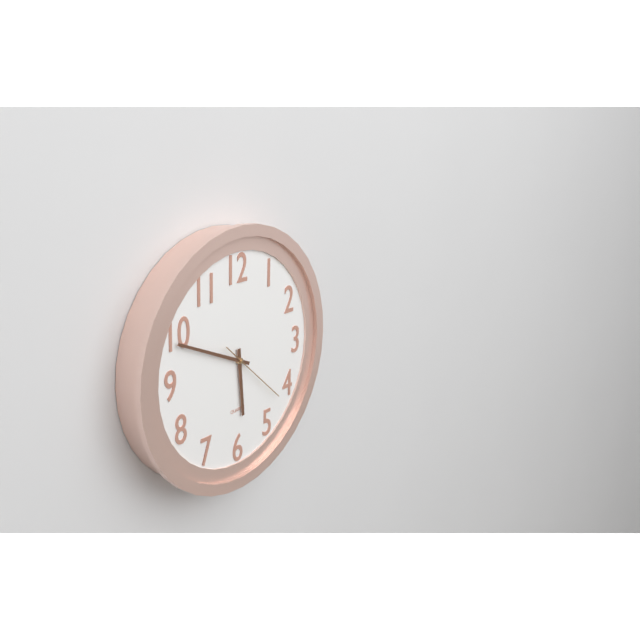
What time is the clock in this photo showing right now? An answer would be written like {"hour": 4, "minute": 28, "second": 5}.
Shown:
{"hour": 5, "minute": 49, "second": 22}
